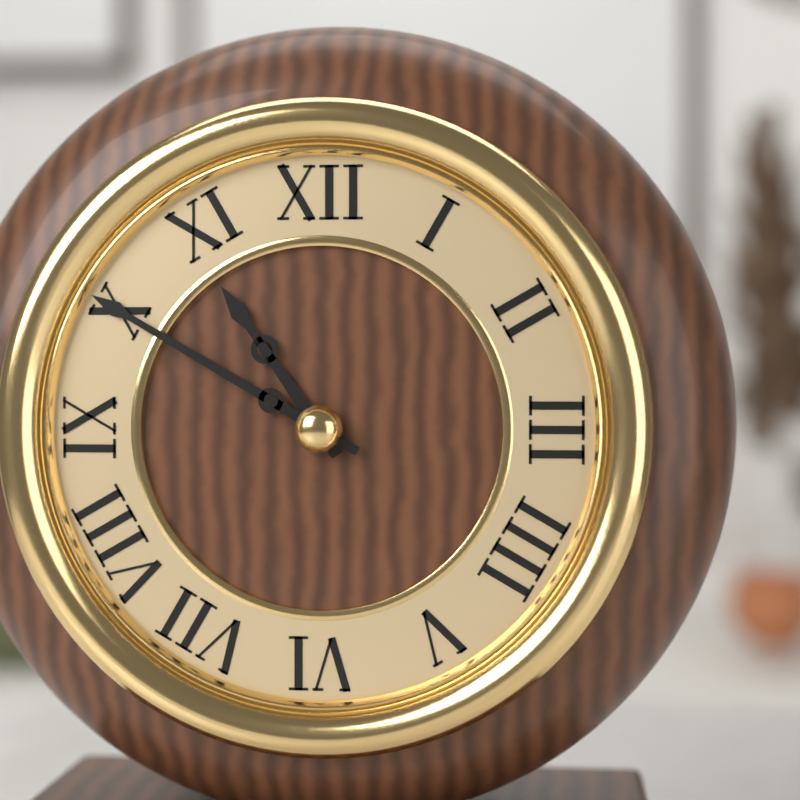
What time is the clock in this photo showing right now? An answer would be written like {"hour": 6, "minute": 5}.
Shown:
{"hour": 10, "minute": 50}
